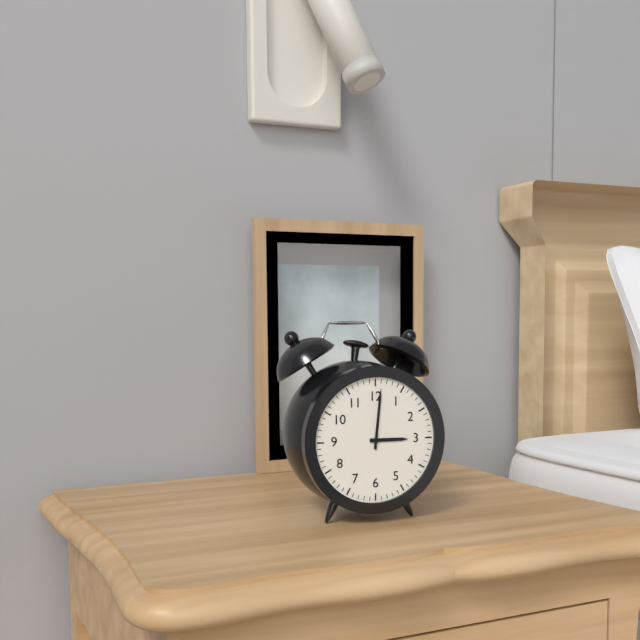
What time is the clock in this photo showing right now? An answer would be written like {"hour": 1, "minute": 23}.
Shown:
{"hour": 3, "minute": 1}
